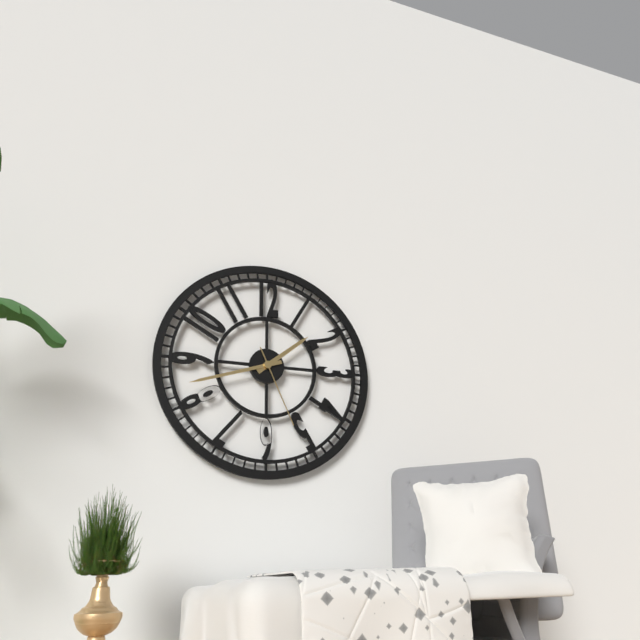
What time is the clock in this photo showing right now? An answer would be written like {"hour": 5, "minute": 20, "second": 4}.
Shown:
{"hour": 1, "minute": 42, "second": 26}
